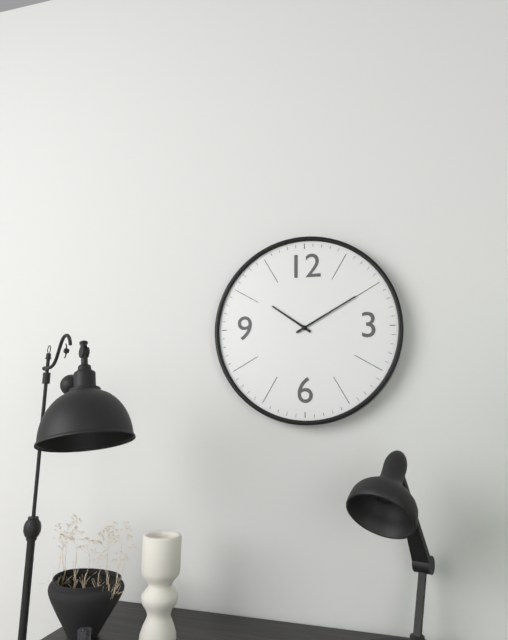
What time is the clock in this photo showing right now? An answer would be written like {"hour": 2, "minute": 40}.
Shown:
{"hour": 10, "minute": 10}
